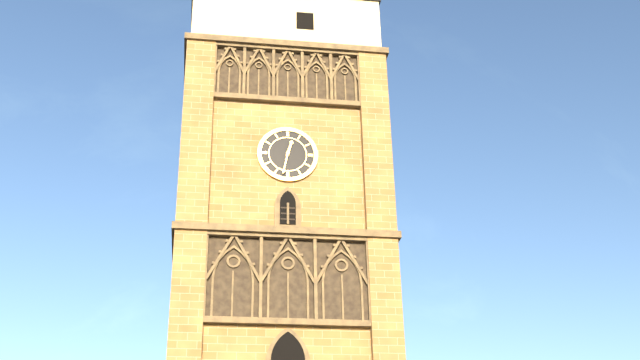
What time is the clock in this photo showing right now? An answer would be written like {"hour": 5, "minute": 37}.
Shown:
{"hour": 12, "minute": 32}
